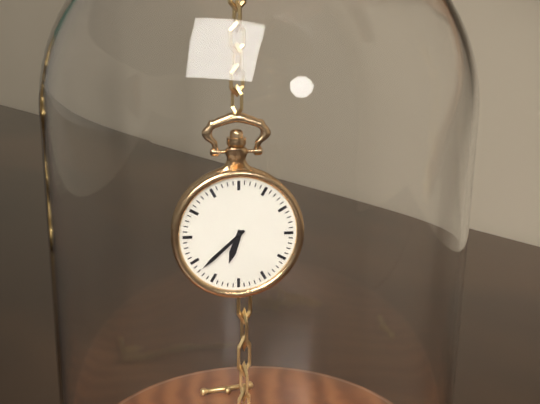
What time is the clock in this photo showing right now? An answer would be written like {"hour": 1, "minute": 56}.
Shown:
{"hour": 6, "minute": 38}
